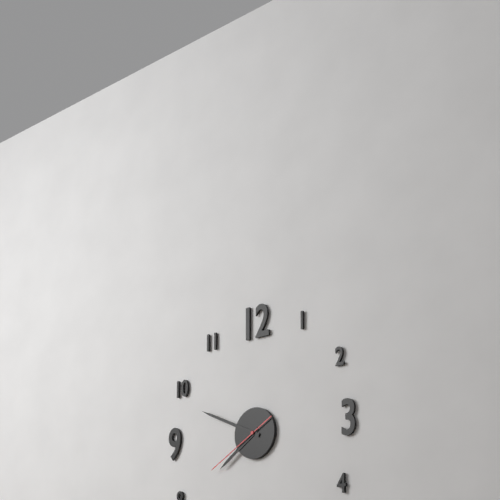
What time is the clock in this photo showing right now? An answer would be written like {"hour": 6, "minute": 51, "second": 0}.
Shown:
{"hour": 7, "minute": 49, "second": 40}
